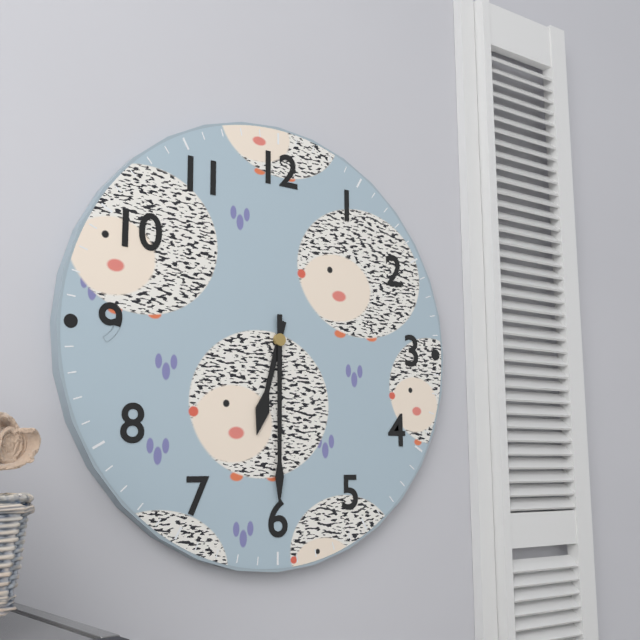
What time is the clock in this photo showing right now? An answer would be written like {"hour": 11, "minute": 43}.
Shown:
{"hour": 6, "minute": 30}
